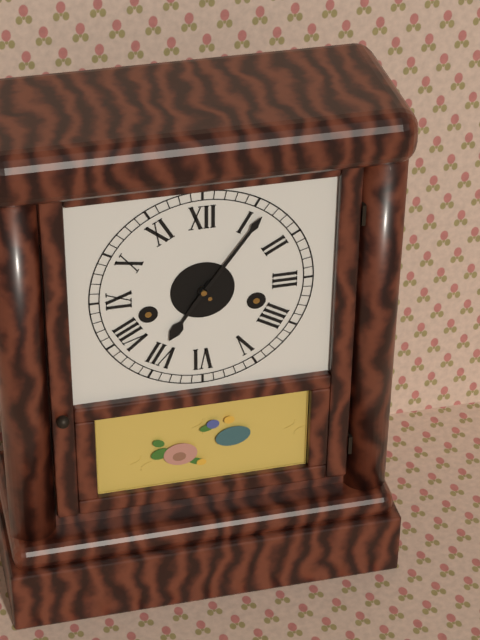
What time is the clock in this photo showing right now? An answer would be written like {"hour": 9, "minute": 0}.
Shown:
{"hour": 7, "minute": 6}
